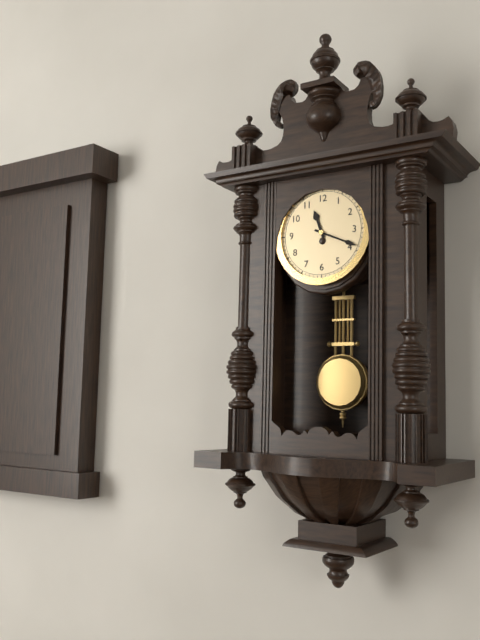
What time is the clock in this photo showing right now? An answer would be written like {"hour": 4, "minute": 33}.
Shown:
{"hour": 11, "minute": 19}
